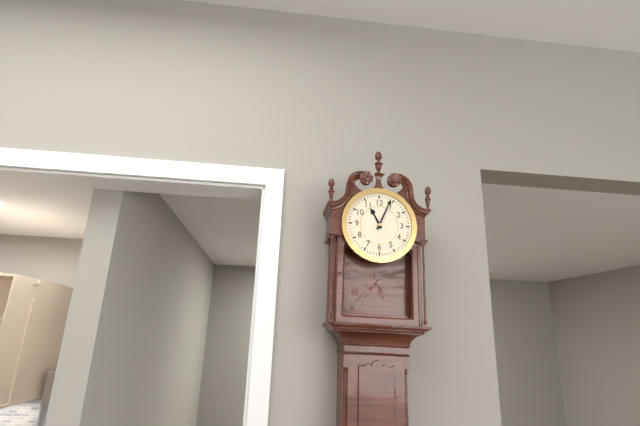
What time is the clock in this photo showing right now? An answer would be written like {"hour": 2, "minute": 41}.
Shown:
{"hour": 11, "minute": 4}
